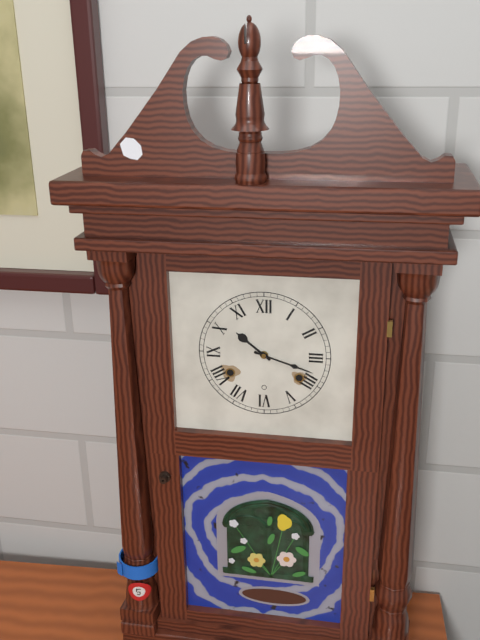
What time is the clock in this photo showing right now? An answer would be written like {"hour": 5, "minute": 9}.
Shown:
{"hour": 10, "minute": 18}
